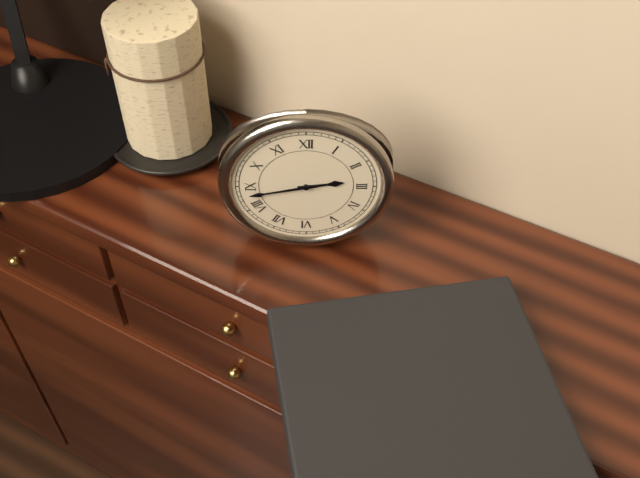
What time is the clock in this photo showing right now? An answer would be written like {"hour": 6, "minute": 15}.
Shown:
{"hour": 2, "minute": 43}
